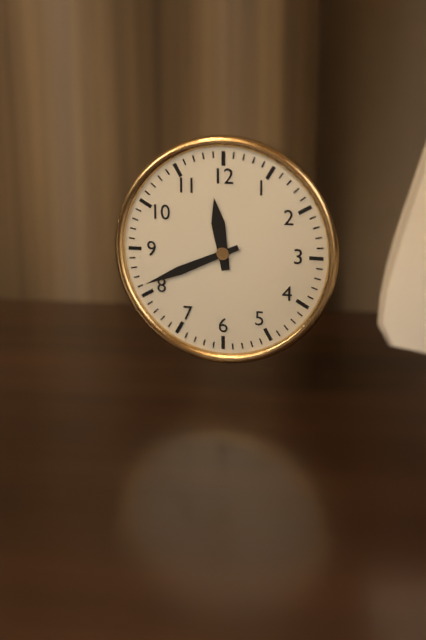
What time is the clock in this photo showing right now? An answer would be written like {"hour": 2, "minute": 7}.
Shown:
{"hour": 11, "minute": 41}
